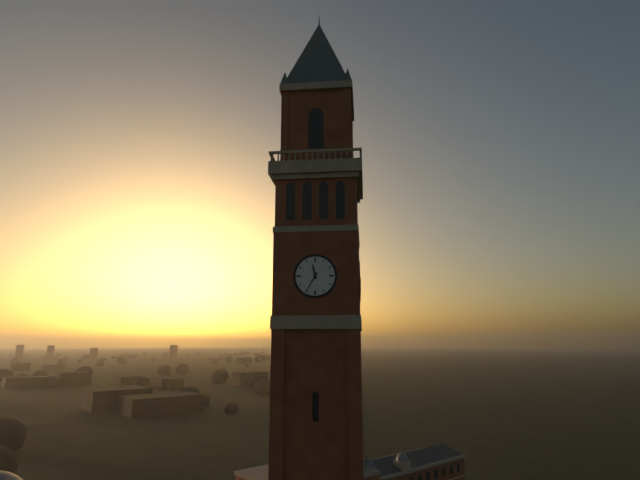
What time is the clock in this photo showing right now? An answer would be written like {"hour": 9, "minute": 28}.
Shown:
{"hour": 11, "minute": 35}
